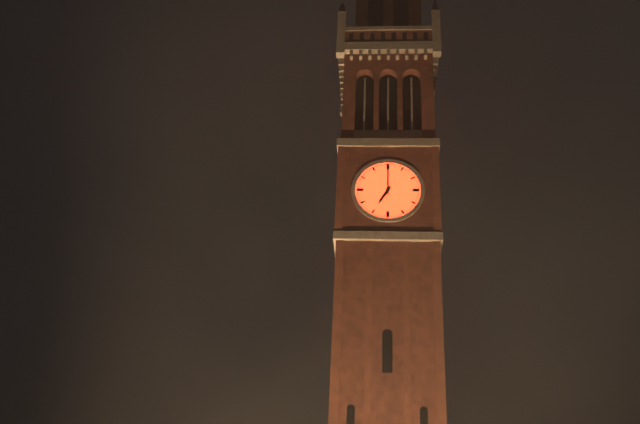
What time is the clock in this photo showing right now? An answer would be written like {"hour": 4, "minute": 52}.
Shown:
{"hour": 7, "minute": 0}
